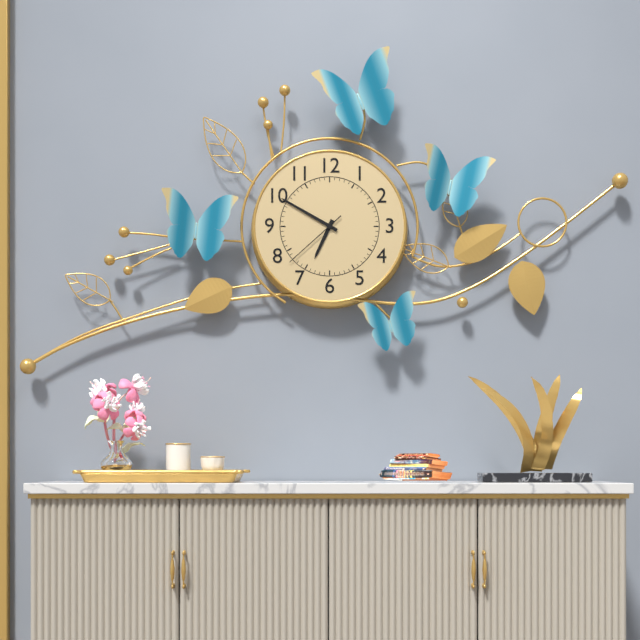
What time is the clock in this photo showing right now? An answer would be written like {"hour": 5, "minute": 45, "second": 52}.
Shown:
{"hour": 6, "minute": 50, "second": 38}
